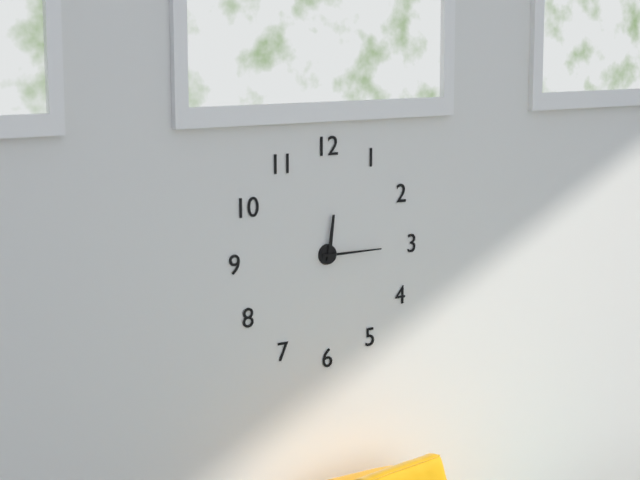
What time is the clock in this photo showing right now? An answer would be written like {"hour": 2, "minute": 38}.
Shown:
{"hour": 12, "minute": 15}
